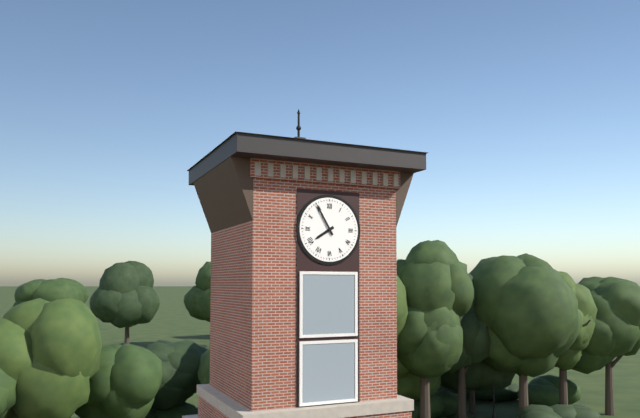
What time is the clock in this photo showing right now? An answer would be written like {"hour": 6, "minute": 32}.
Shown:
{"hour": 7, "minute": 55}
